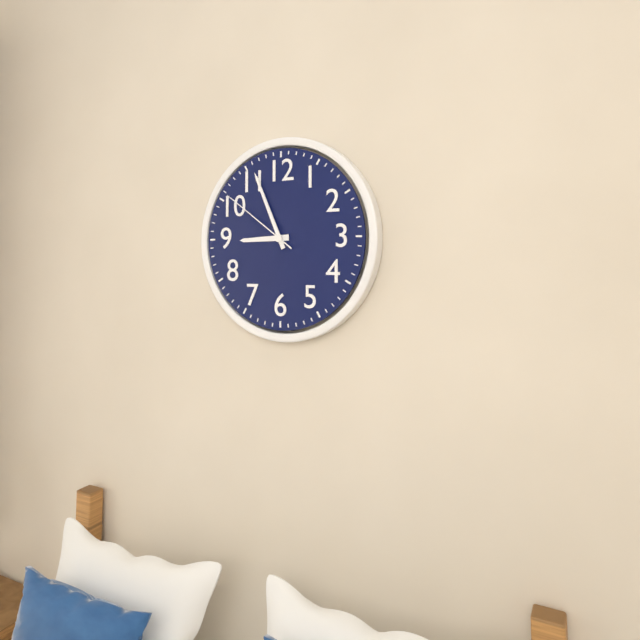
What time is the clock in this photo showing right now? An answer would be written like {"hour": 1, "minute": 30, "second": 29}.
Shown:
{"hour": 8, "minute": 56, "second": 51}
